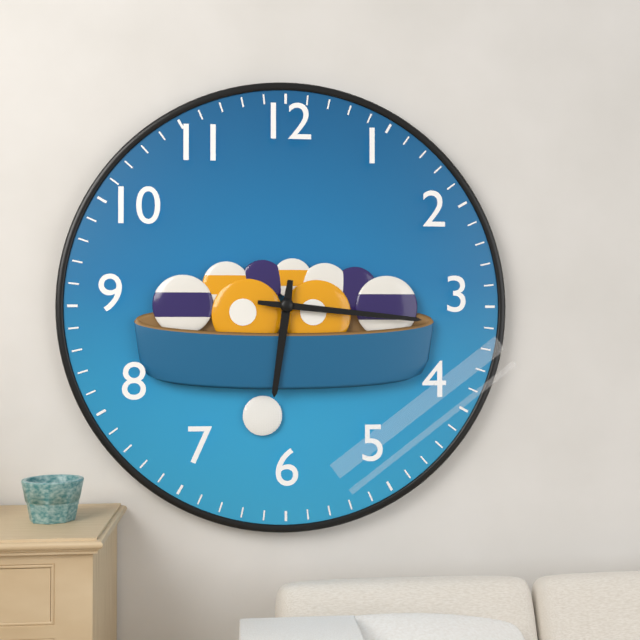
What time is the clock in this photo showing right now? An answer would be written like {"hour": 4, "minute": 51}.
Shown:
{"hour": 6, "minute": 16}
